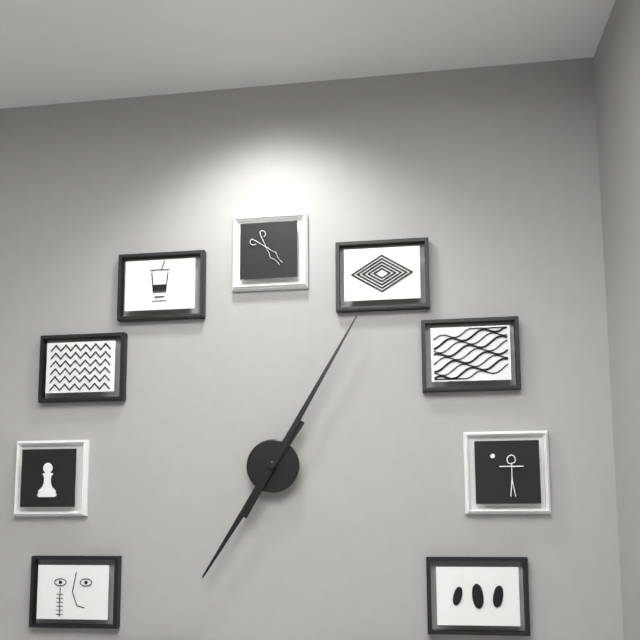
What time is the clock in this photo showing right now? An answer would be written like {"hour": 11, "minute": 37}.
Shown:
{"hour": 7, "minute": 5}
